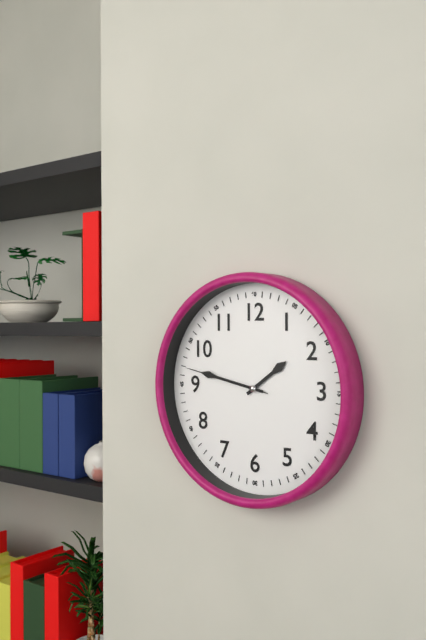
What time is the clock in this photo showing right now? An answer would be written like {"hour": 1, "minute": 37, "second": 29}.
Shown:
{"hour": 1, "minute": 47, "second": 47}
